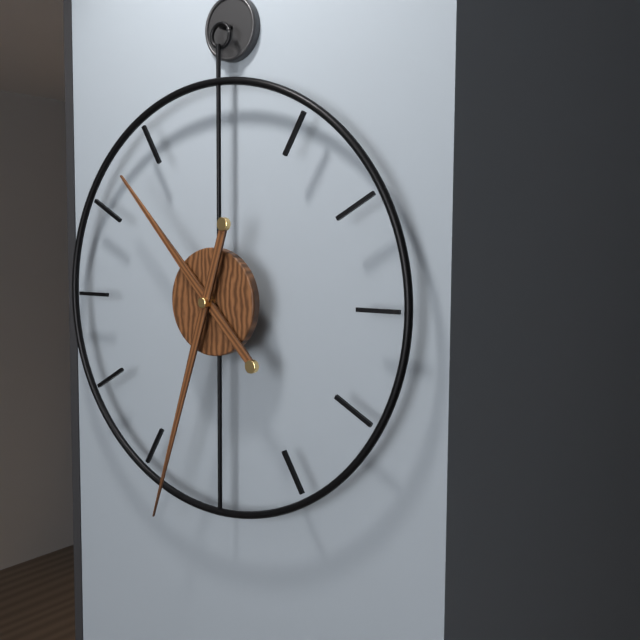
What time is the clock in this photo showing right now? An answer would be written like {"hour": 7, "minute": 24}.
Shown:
{"hour": 10, "minute": 33}
